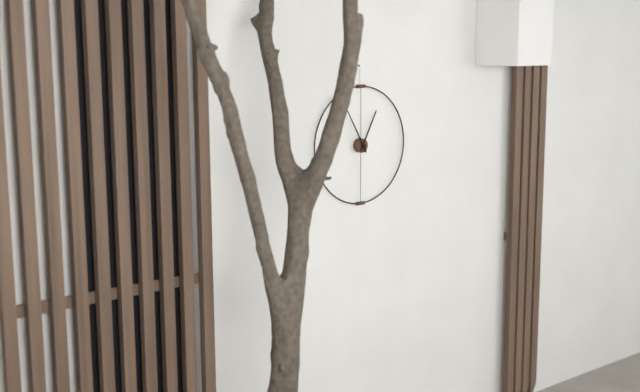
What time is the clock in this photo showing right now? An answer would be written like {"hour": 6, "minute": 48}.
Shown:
{"hour": 12, "minute": 55}
